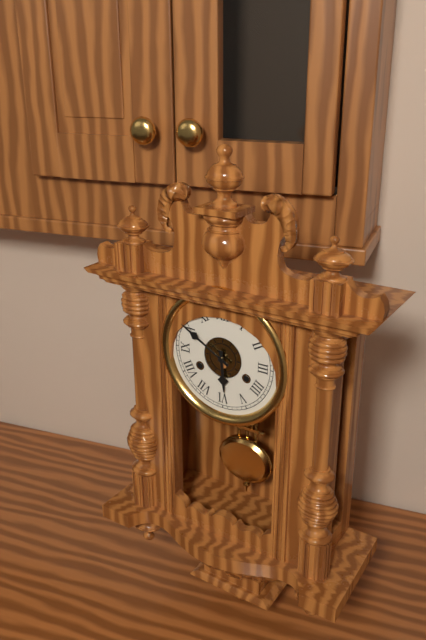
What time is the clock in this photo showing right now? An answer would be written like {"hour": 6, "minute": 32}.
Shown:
{"hour": 5, "minute": 50}
